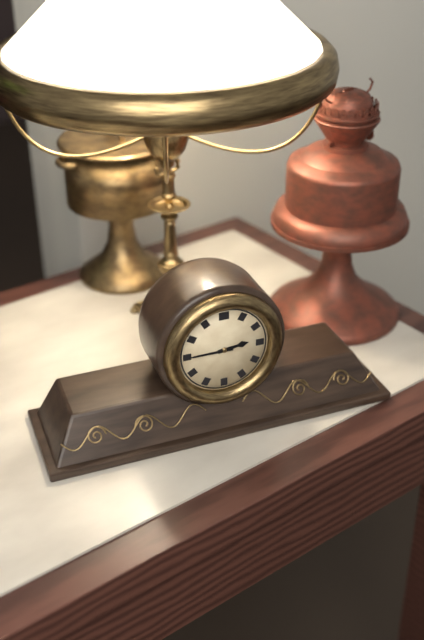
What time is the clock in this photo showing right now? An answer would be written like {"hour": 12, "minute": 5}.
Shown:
{"hour": 2, "minute": 45}
